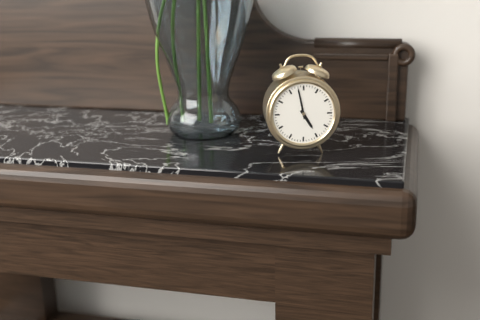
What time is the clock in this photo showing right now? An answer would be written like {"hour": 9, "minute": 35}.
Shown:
{"hour": 4, "minute": 58}
